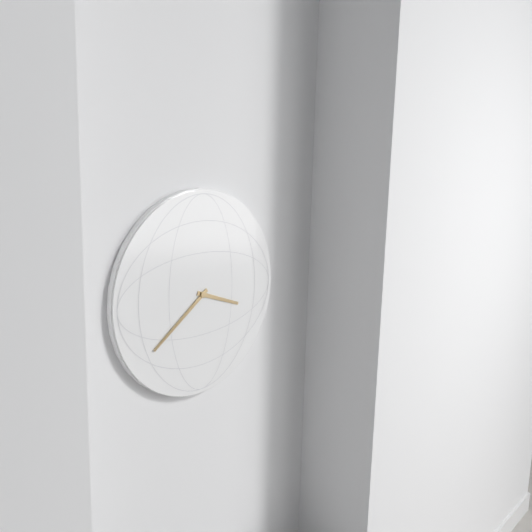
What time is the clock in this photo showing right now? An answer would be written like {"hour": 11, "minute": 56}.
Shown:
{"hour": 3, "minute": 39}
